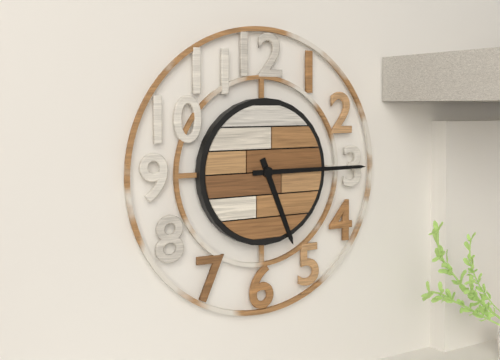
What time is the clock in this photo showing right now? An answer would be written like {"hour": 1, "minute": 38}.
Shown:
{"hour": 5, "minute": 15}
